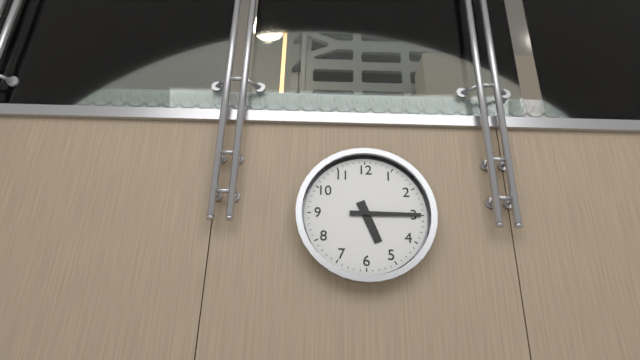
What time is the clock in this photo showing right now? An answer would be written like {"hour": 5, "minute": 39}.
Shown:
{"hour": 5, "minute": 15}
